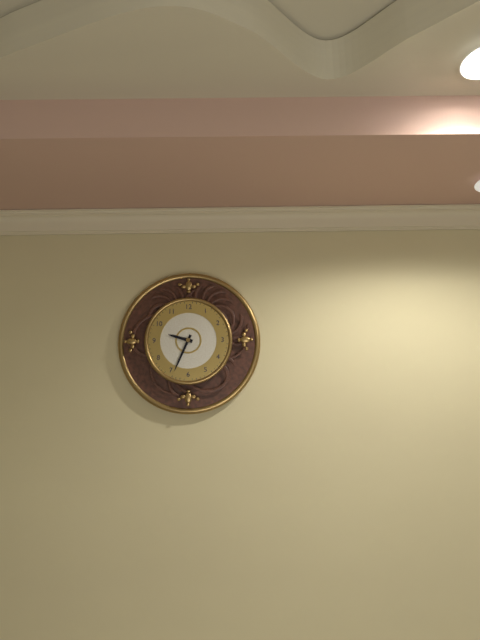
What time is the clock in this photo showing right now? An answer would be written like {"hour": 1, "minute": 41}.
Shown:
{"hour": 9, "minute": 34}
